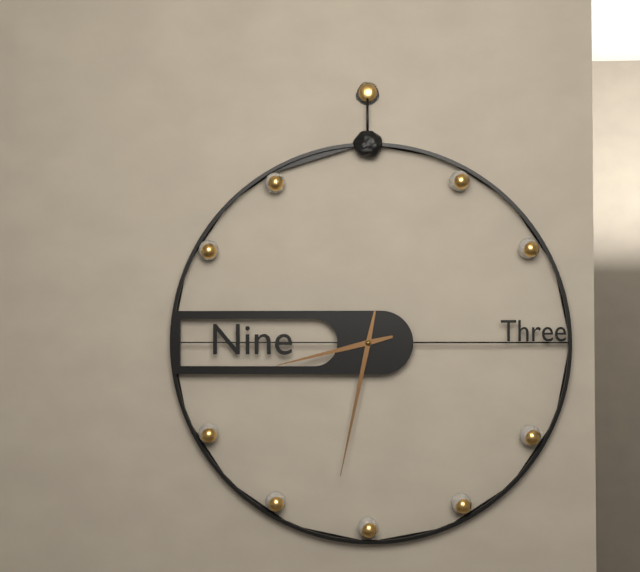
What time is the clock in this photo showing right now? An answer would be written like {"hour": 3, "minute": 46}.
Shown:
{"hour": 8, "minute": 32}
